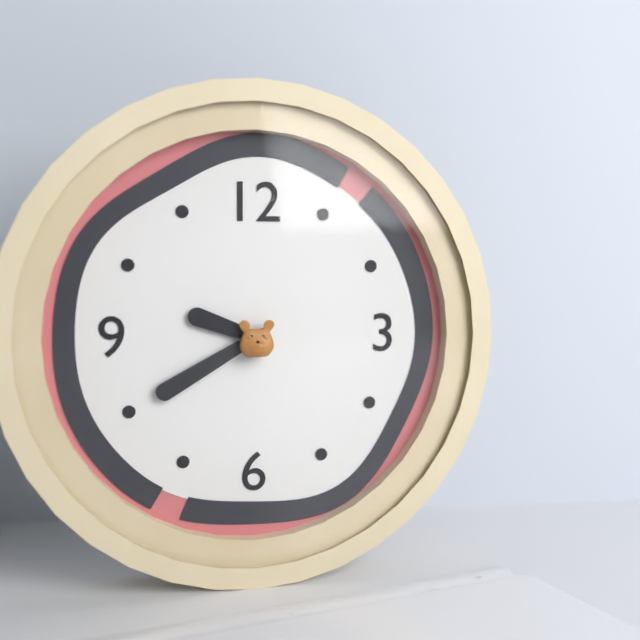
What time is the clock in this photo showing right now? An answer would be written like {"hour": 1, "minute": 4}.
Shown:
{"hour": 9, "minute": 40}
